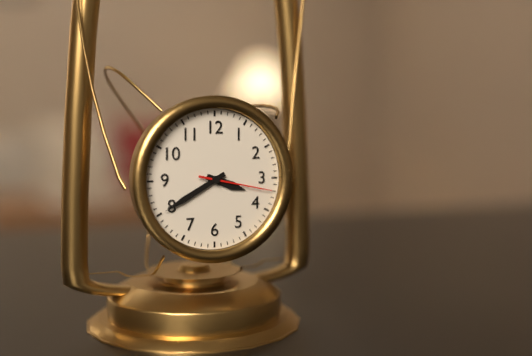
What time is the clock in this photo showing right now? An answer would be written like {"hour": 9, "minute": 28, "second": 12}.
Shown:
{"hour": 3, "minute": 40, "second": 17}
